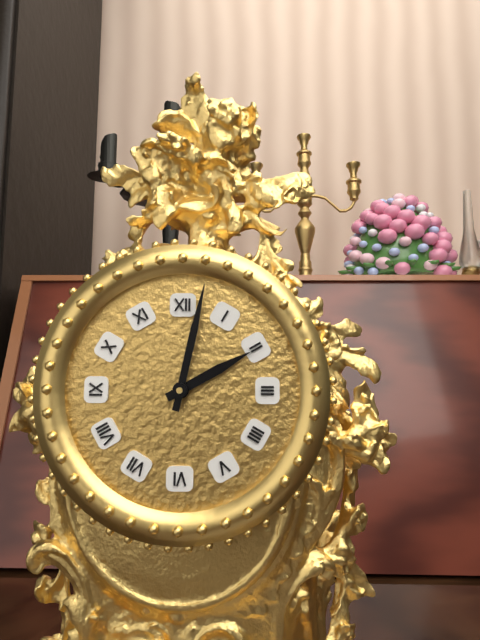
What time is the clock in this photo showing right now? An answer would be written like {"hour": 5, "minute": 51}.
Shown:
{"hour": 2, "minute": 2}
